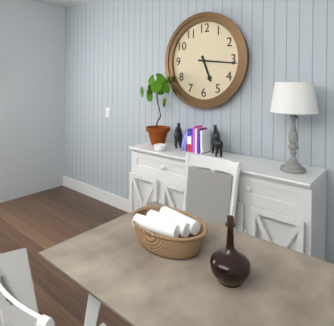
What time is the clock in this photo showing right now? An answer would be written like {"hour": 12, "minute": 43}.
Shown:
{"hour": 5, "minute": 16}
